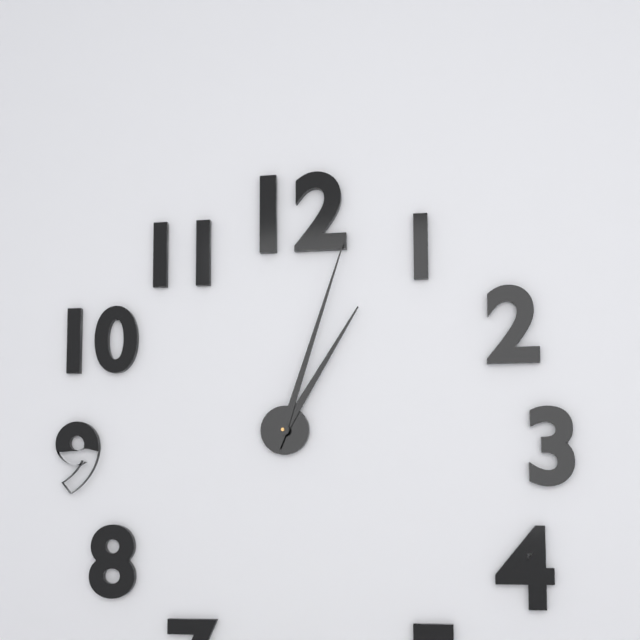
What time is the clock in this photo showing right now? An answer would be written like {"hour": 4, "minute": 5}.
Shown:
{"hour": 1, "minute": 3}
